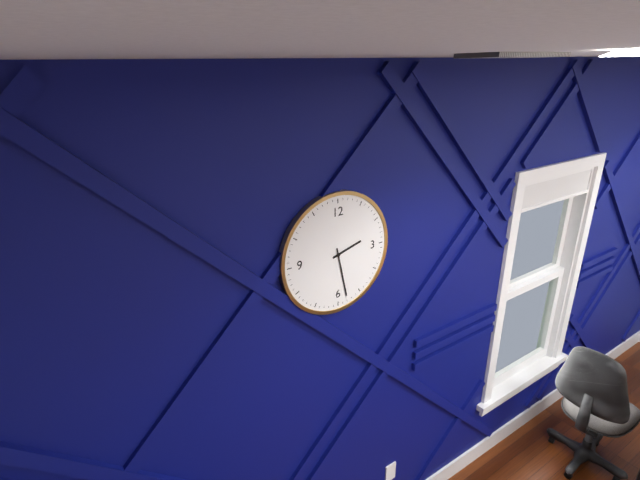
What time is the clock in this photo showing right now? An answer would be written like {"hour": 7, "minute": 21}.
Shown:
{"hour": 2, "minute": 28}
